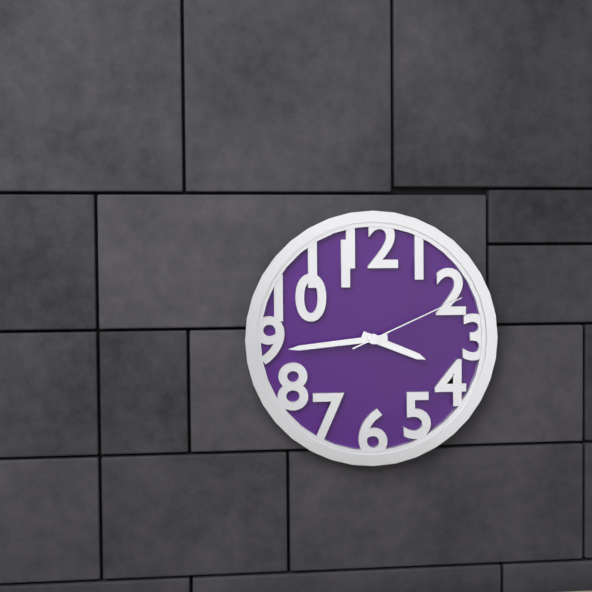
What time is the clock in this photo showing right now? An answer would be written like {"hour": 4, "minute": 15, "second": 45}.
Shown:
{"hour": 3, "minute": 44, "second": 11}
